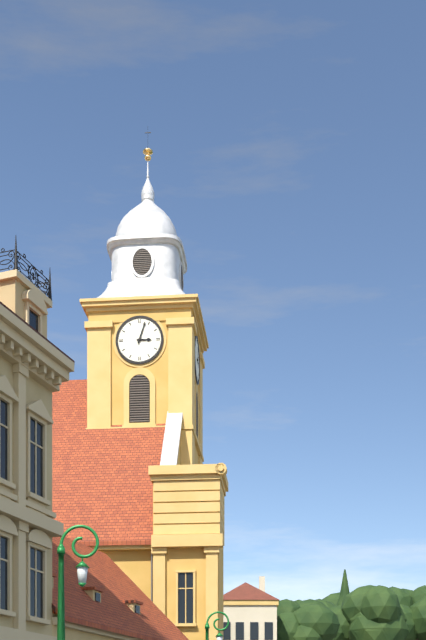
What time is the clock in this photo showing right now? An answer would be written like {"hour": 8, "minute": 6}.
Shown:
{"hour": 3, "minute": 3}
